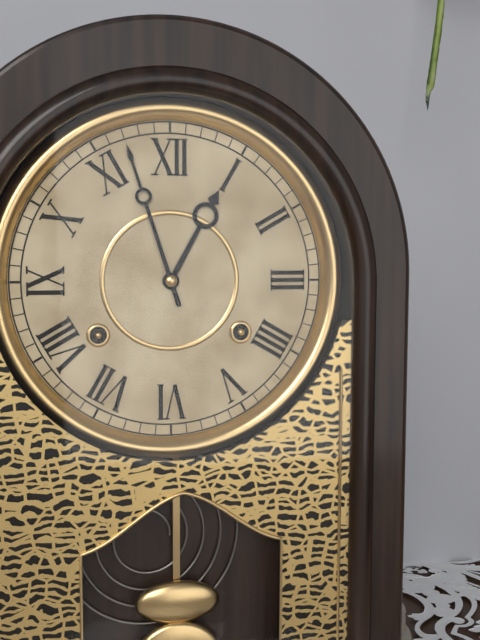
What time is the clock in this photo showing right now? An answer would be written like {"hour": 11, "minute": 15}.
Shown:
{"hour": 12, "minute": 57}
